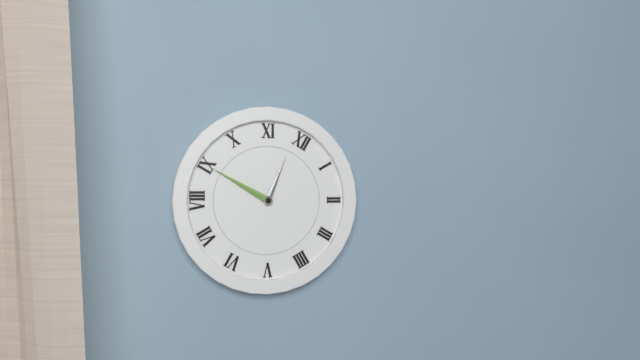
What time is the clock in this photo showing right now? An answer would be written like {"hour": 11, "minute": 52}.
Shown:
{"hour": 11, "minute": 45}
